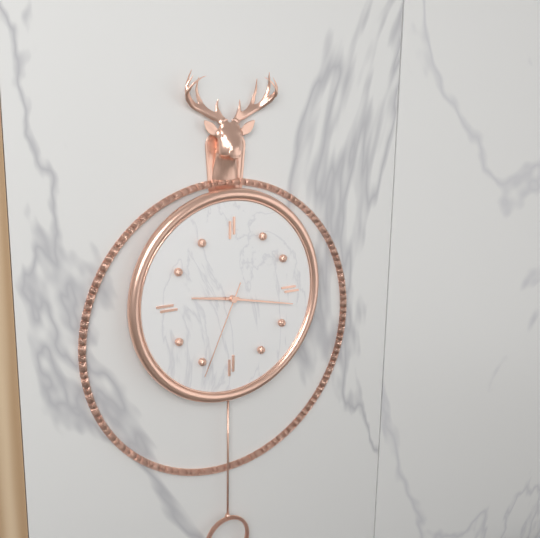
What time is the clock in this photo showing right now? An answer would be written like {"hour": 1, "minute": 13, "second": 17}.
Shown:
{"hour": 9, "minute": 17, "second": 34}
